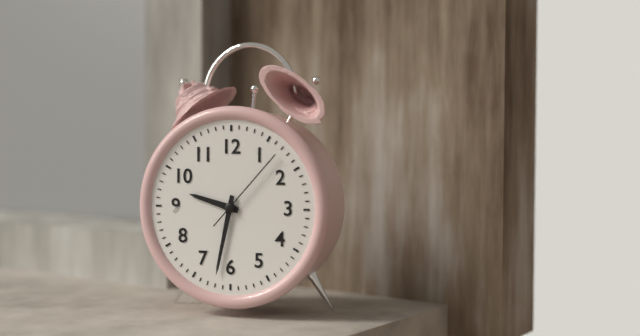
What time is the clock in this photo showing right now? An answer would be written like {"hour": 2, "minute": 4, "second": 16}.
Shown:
{"hour": 9, "minute": 32, "second": 7}
